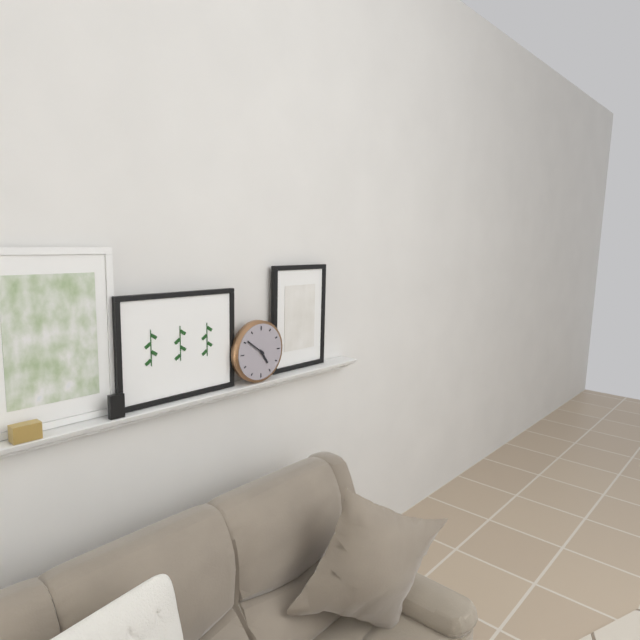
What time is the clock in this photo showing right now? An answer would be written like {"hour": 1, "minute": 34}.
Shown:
{"hour": 4, "minute": 51}
